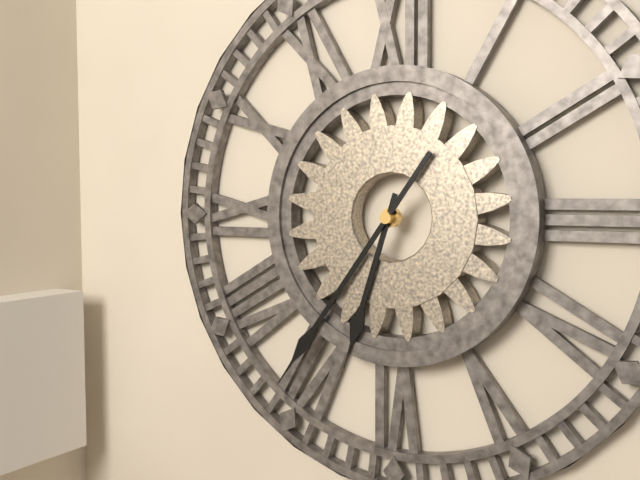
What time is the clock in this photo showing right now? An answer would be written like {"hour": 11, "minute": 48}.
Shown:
{"hour": 6, "minute": 36}
